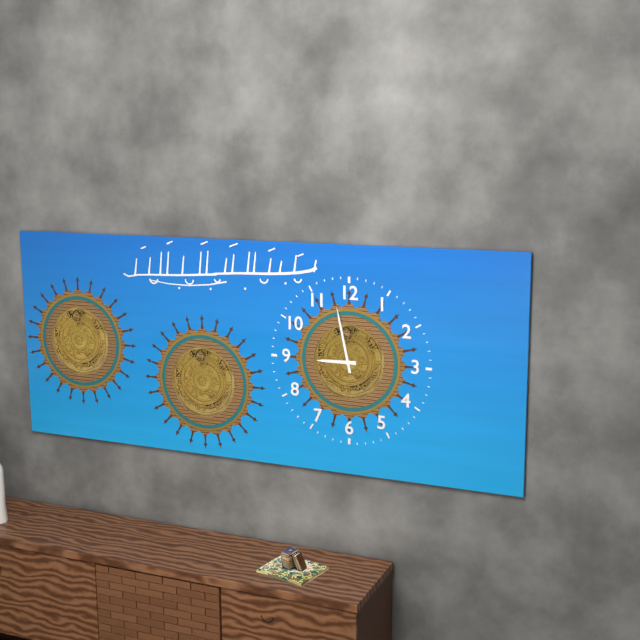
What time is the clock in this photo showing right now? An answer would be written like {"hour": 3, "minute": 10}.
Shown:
{"hour": 8, "minute": 58}
